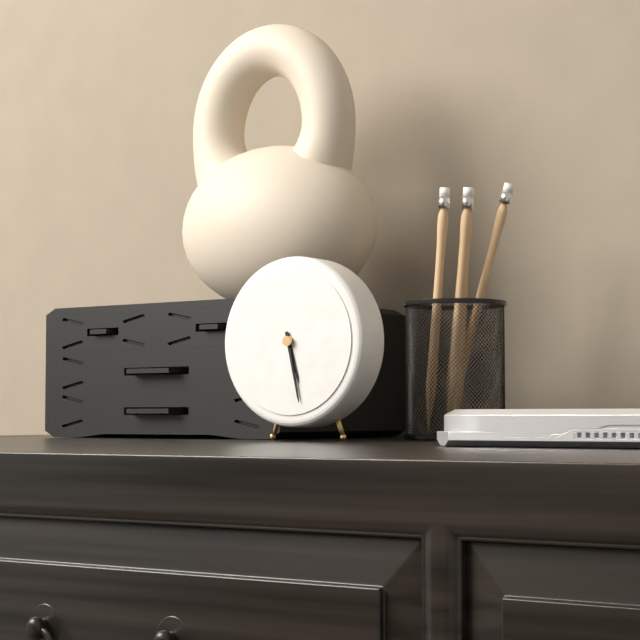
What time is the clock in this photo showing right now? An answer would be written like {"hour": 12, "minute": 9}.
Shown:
{"hour": 5, "minute": 28}
